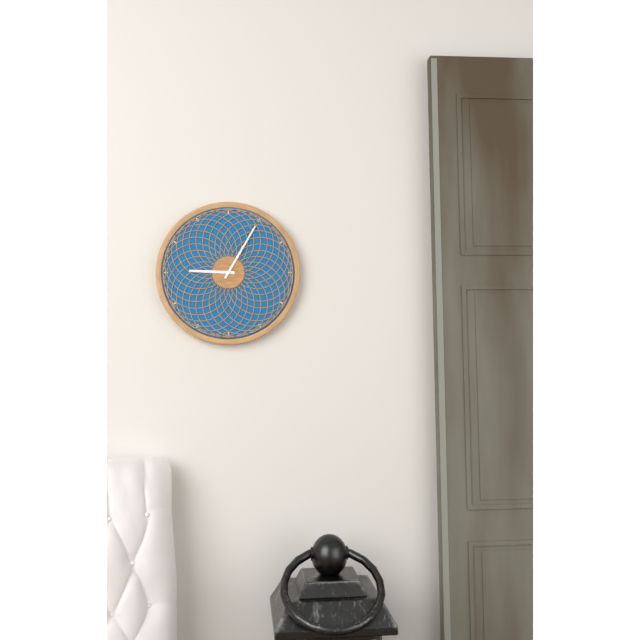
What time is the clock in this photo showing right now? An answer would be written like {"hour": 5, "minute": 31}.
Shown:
{"hour": 9, "minute": 5}
